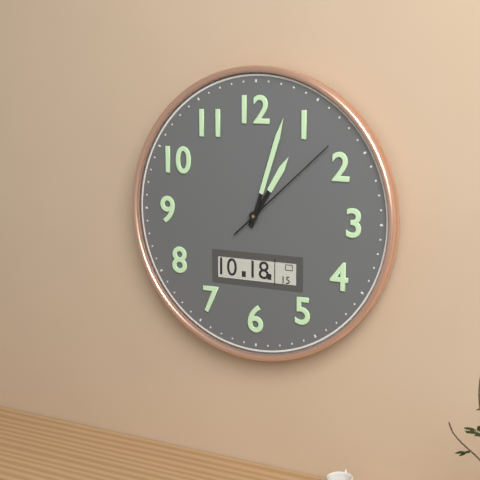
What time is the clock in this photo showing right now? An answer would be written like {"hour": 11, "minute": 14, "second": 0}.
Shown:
{"hour": 1, "minute": 3, "second": 8}
